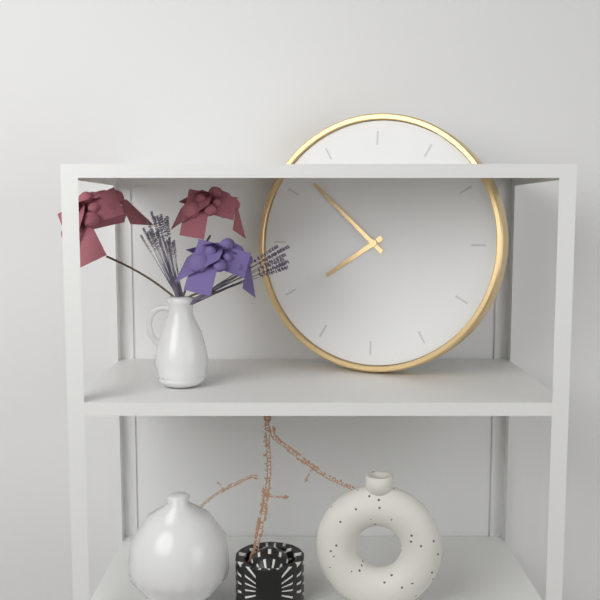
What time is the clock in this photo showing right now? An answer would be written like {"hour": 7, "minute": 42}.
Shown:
{"hour": 7, "minute": 52}
